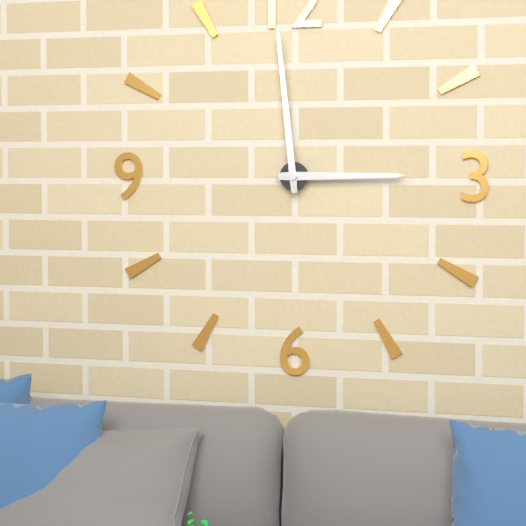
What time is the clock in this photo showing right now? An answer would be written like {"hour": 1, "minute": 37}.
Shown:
{"hour": 2, "minute": 59}
